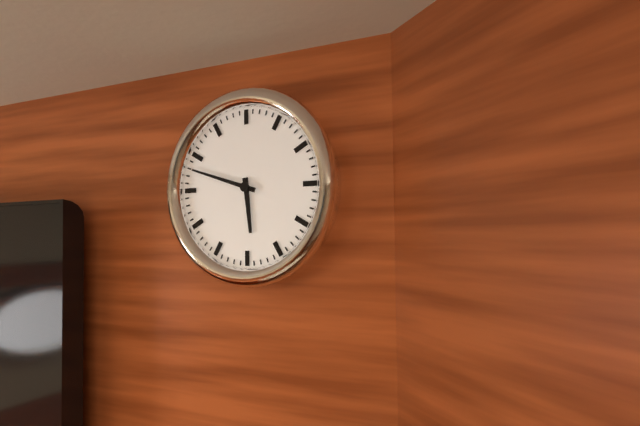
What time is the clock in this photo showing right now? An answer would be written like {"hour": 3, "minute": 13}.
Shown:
{"hour": 5, "minute": 48}
